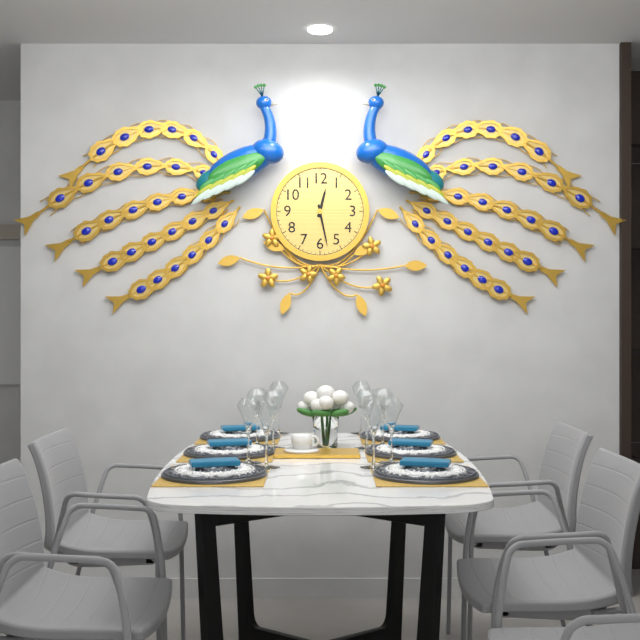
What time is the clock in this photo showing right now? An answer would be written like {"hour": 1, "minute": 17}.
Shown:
{"hour": 12, "minute": 28}
